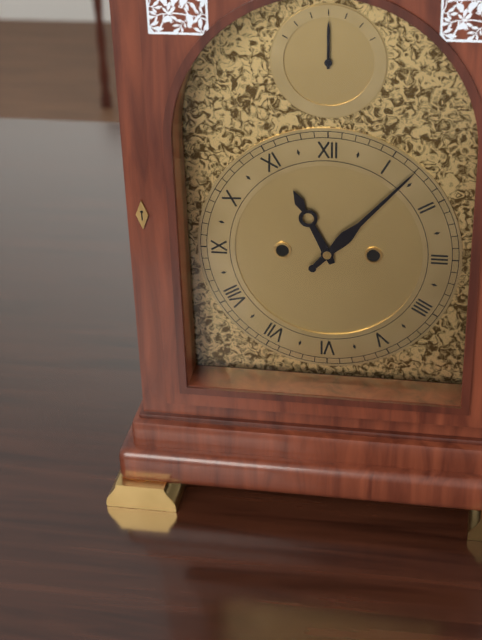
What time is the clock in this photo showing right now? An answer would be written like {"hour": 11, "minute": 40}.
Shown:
{"hour": 11, "minute": 7}
